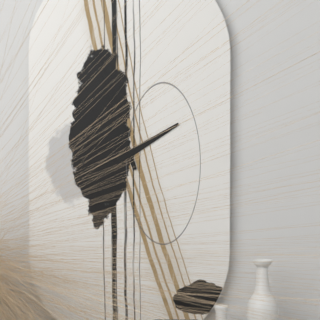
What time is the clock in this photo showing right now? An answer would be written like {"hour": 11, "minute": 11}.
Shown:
{"hour": 1, "minute": 57}
